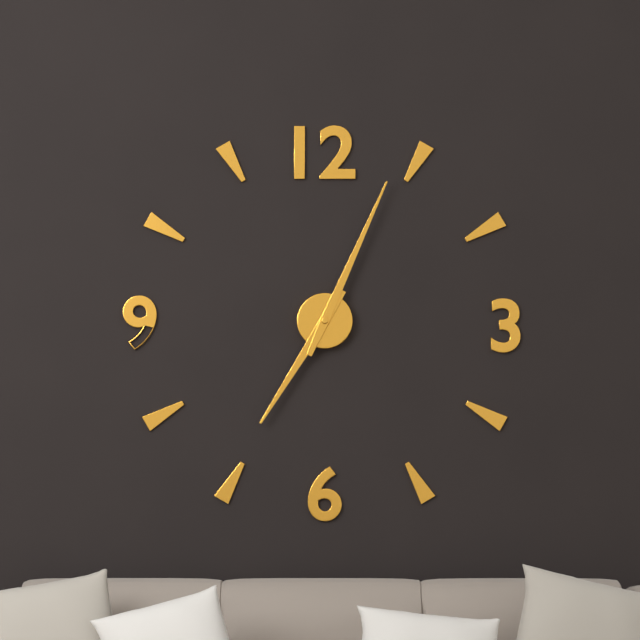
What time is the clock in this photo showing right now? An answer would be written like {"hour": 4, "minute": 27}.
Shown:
{"hour": 7, "minute": 4}
